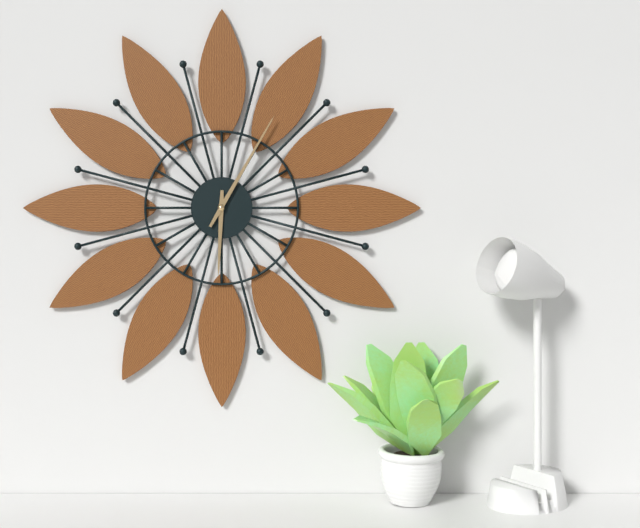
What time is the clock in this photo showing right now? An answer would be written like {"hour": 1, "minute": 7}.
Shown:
{"hour": 6, "minute": 5}
